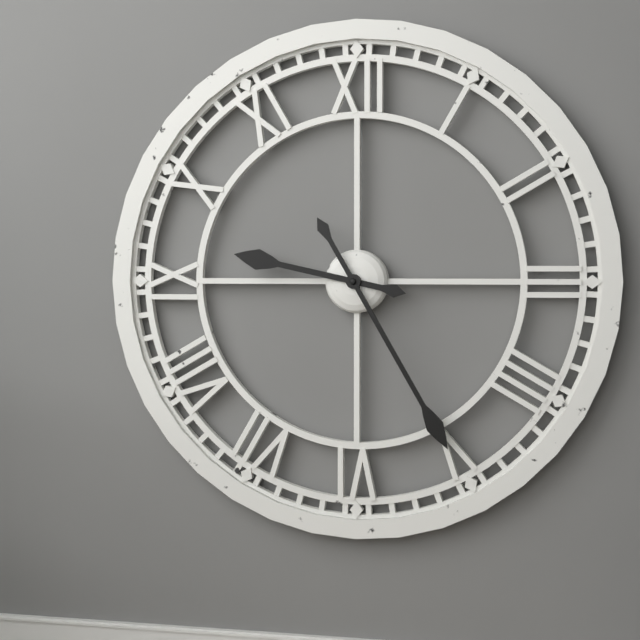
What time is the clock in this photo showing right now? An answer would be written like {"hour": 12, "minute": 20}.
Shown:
{"hour": 9, "minute": 25}
